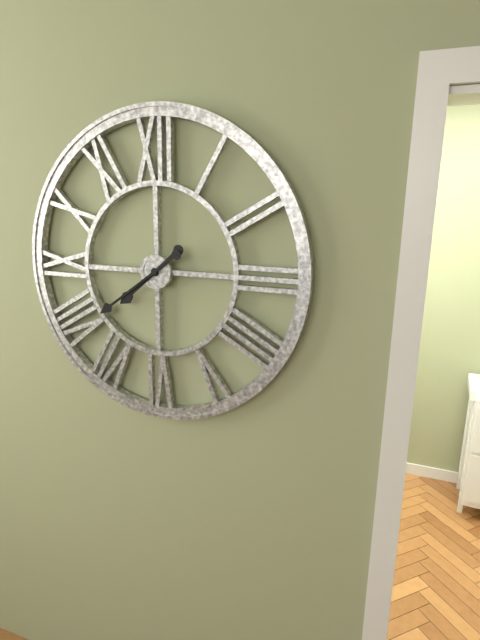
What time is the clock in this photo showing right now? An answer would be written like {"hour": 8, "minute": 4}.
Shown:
{"hour": 7, "minute": 39}
